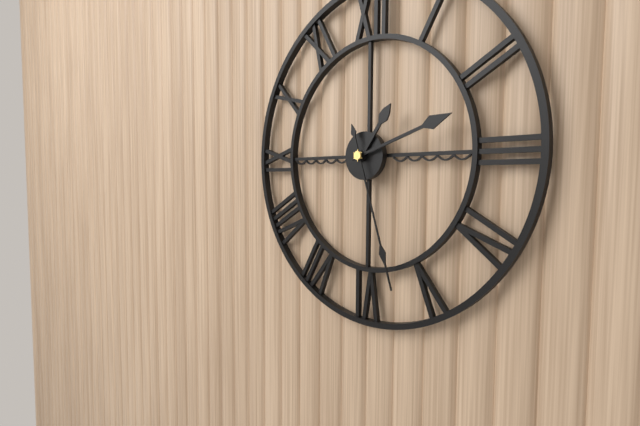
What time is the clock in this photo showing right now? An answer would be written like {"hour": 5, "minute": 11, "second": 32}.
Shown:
{"hour": 1, "minute": 12, "second": 27}
